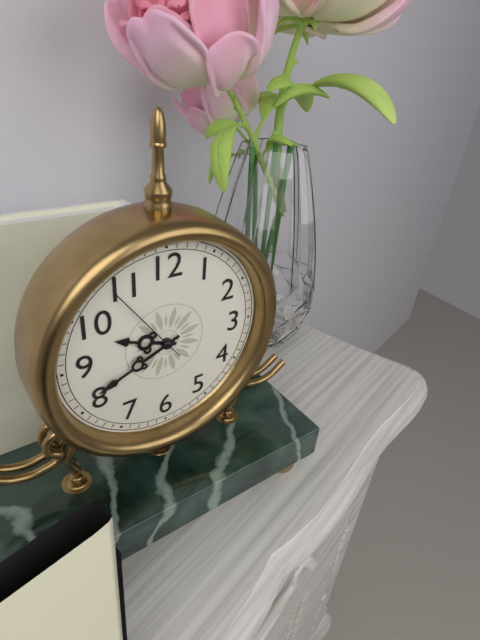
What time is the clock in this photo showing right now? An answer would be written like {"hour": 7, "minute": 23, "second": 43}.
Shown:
{"hour": 9, "minute": 41, "second": 54}
